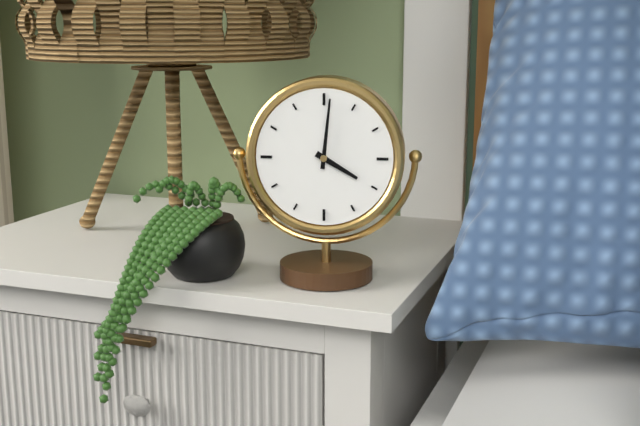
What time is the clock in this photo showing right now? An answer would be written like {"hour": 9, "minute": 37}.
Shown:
{"hour": 4, "minute": 1}
